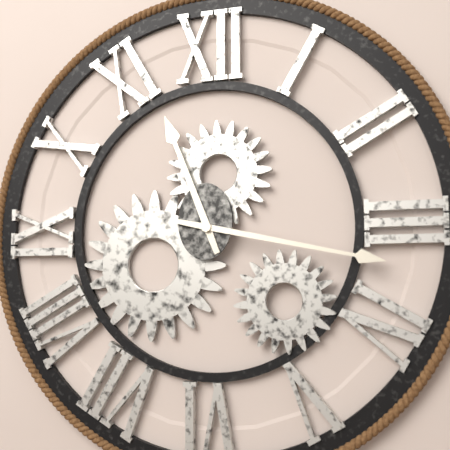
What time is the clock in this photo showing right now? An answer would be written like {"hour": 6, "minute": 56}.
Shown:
{"hour": 11, "minute": 17}
